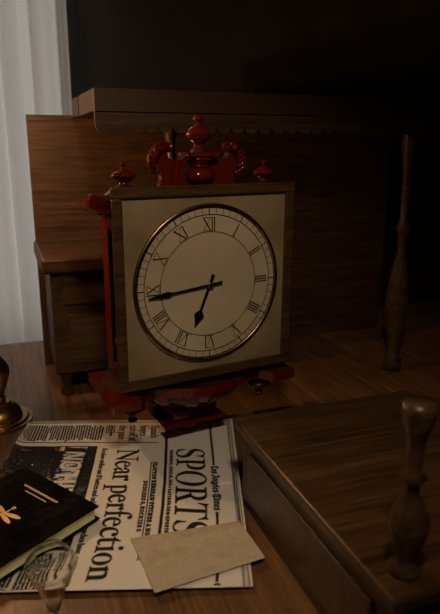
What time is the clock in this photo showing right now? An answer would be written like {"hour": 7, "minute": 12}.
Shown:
{"hour": 6, "minute": 44}
